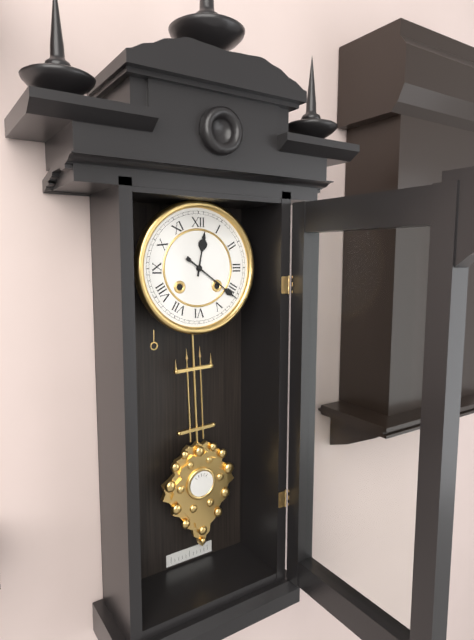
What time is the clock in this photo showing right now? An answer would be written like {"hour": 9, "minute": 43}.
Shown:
{"hour": 12, "minute": 21}
